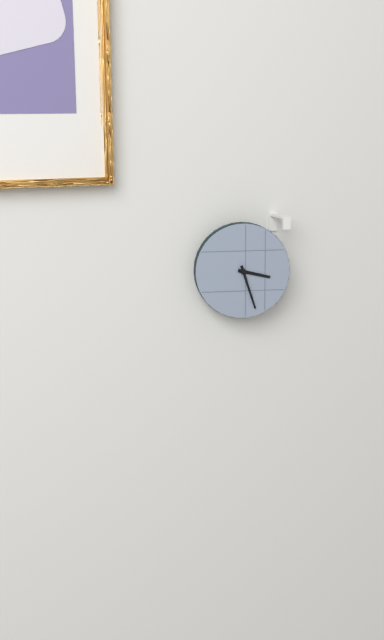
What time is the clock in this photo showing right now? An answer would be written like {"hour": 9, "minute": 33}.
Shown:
{"hour": 3, "minute": 27}
